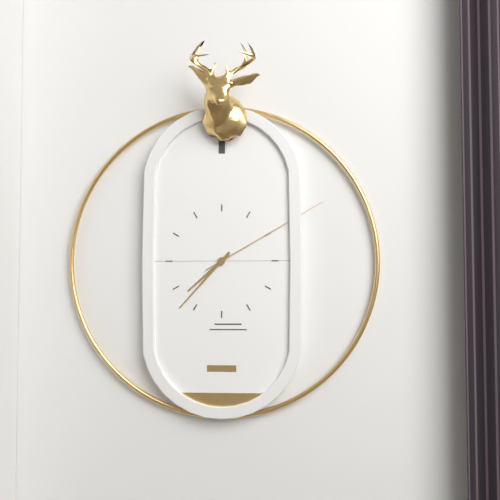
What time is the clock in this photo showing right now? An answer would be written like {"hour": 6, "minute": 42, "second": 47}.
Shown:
{"hour": 7, "minute": 37, "second": 10}
